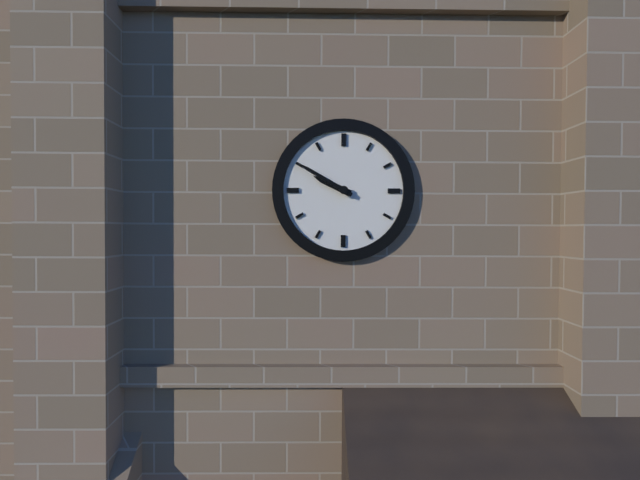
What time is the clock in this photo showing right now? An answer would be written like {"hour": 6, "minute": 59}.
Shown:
{"hour": 9, "minute": 50}
